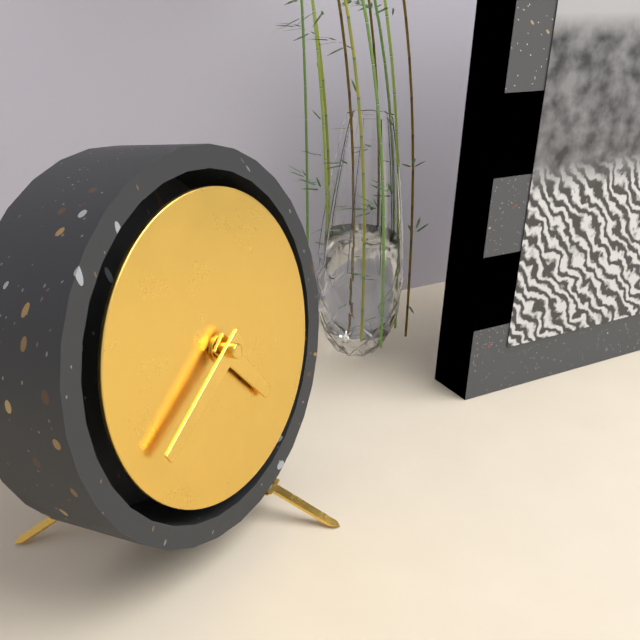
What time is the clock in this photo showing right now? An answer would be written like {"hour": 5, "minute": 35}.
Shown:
{"hour": 4, "minute": 40}
